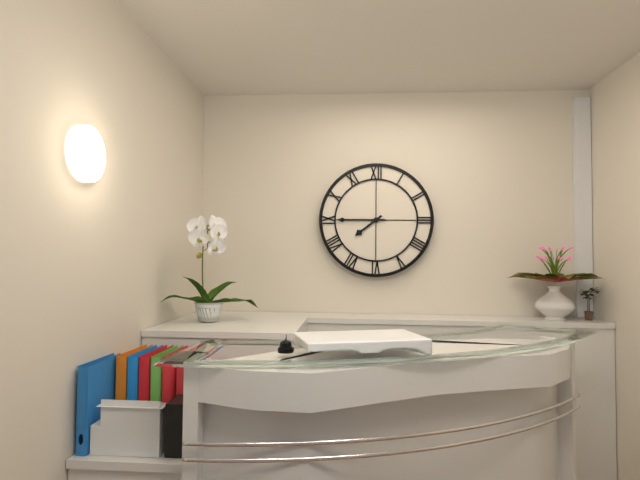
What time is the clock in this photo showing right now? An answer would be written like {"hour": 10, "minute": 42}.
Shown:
{"hour": 7, "minute": 45}
